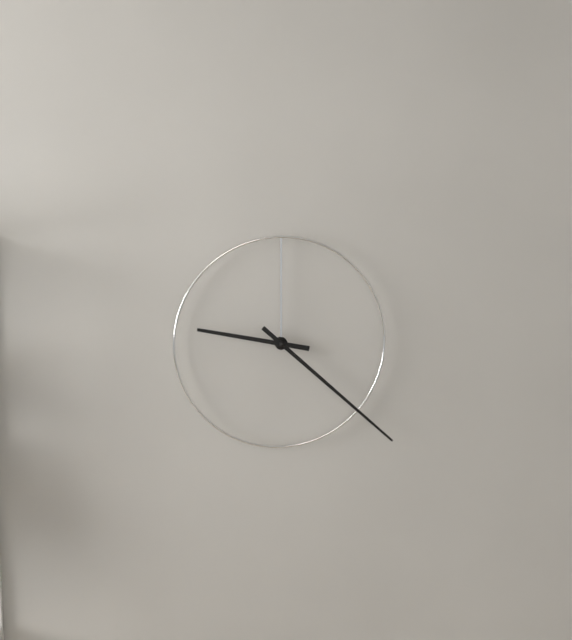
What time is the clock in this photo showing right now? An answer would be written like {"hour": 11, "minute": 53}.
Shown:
{"hour": 9, "minute": 22}
